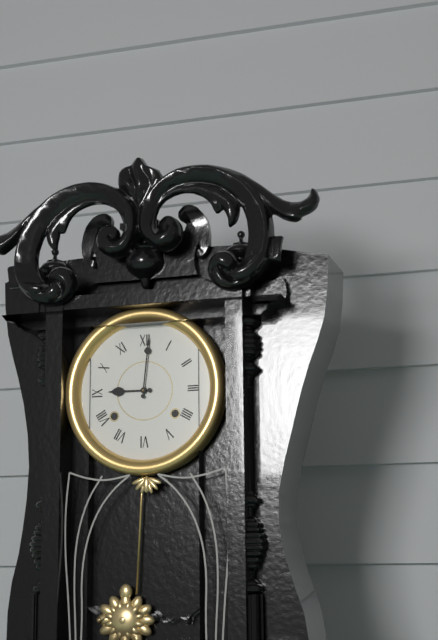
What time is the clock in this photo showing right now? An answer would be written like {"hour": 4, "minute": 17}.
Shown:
{"hour": 9, "minute": 1}
